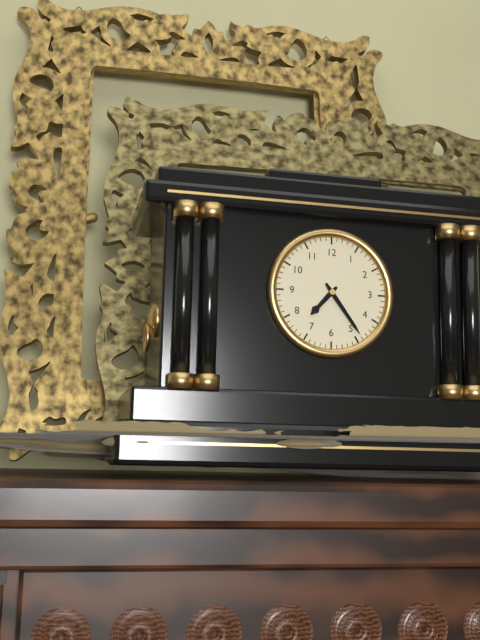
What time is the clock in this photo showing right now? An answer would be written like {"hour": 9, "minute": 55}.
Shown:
{"hour": 7, "minute": 24}
